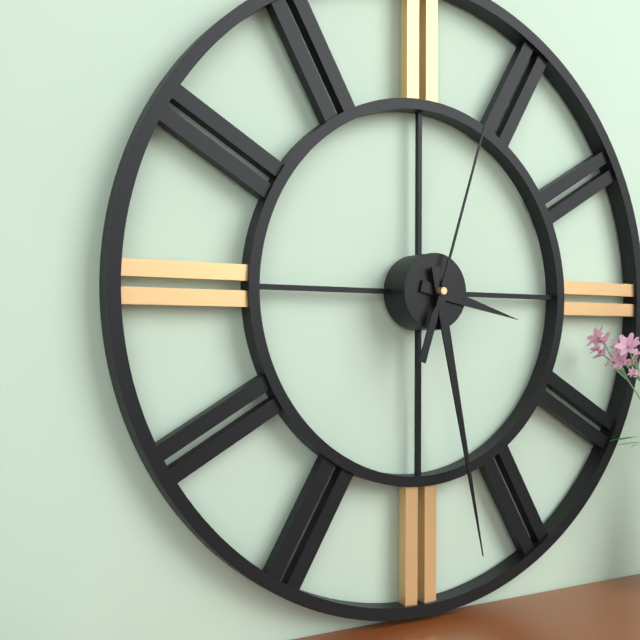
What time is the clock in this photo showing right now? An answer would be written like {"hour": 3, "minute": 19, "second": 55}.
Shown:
{"hour": 3, "minute": 28, "second": 3}
